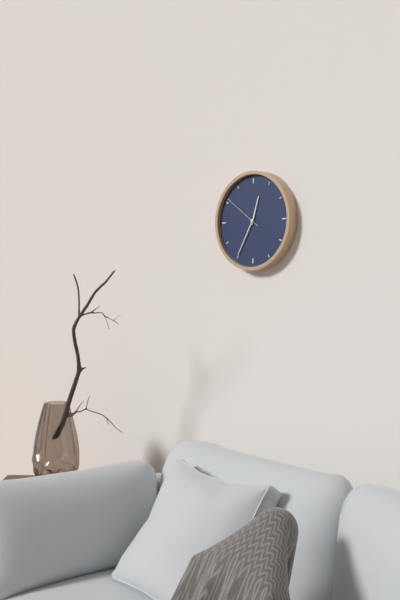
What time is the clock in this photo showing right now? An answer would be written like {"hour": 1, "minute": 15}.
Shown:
{"hour": 12, "minute": 35}
